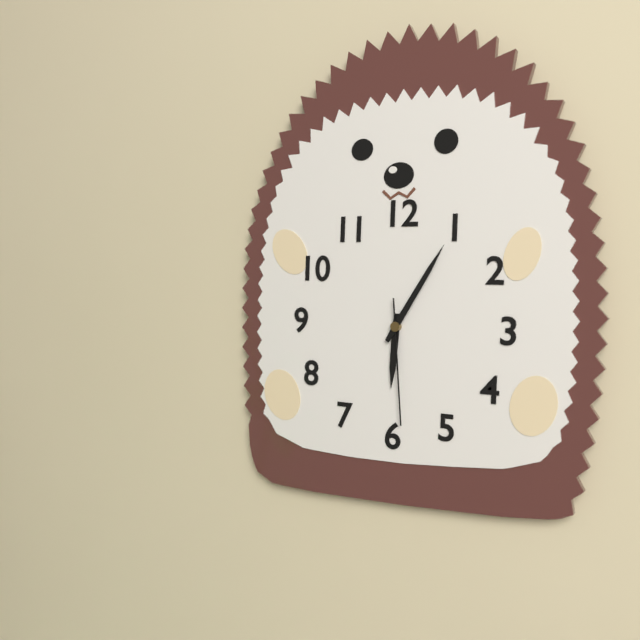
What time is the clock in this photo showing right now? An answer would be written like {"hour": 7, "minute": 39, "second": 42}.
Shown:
{"hour": 6, "minute": 5, "second": 29}
